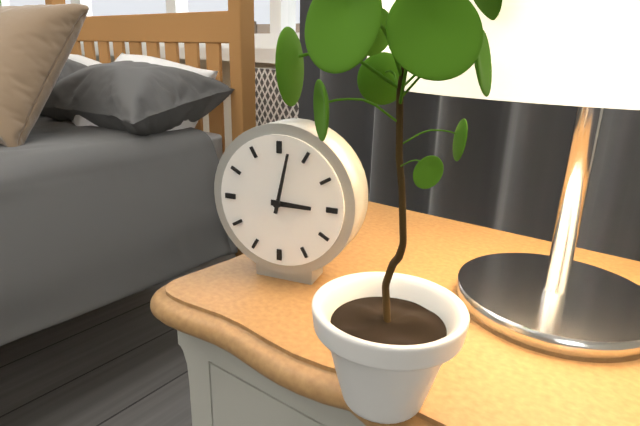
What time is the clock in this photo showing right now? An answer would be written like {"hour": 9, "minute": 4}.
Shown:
{"hour": 3, "minute": 2}
